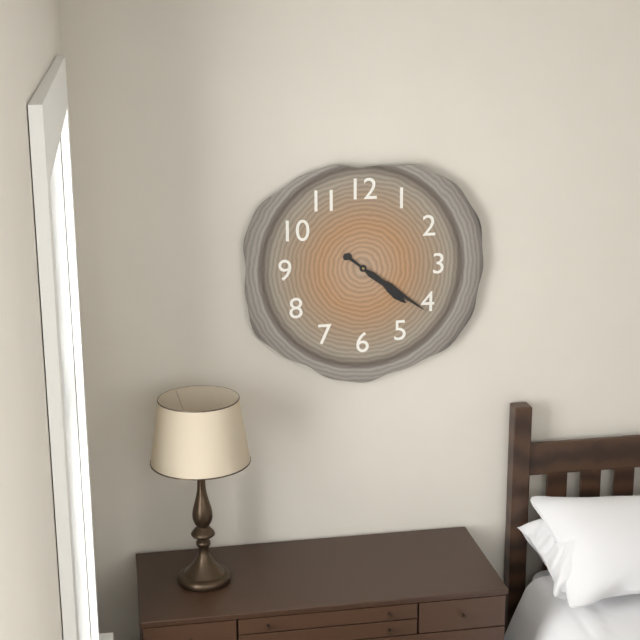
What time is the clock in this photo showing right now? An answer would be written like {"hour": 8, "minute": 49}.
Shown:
{"hour": 4, "minute": 21}
